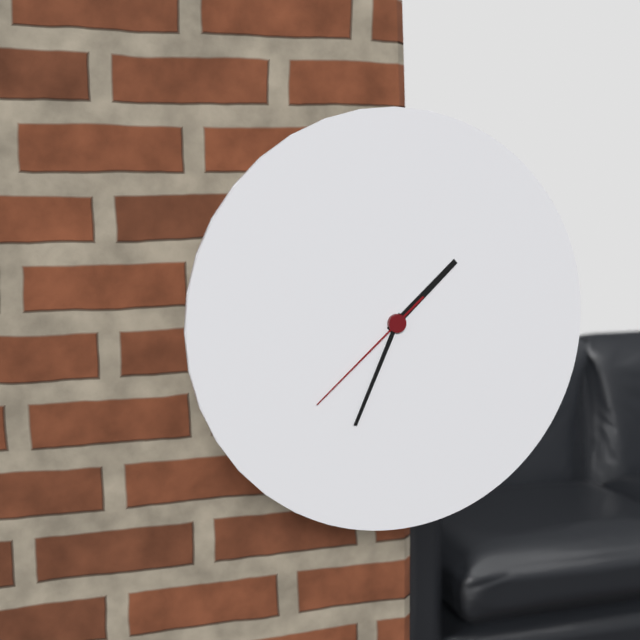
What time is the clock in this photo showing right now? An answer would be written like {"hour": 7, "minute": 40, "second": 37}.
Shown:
{"hour": 1, "minute": 34, "second": 38}
